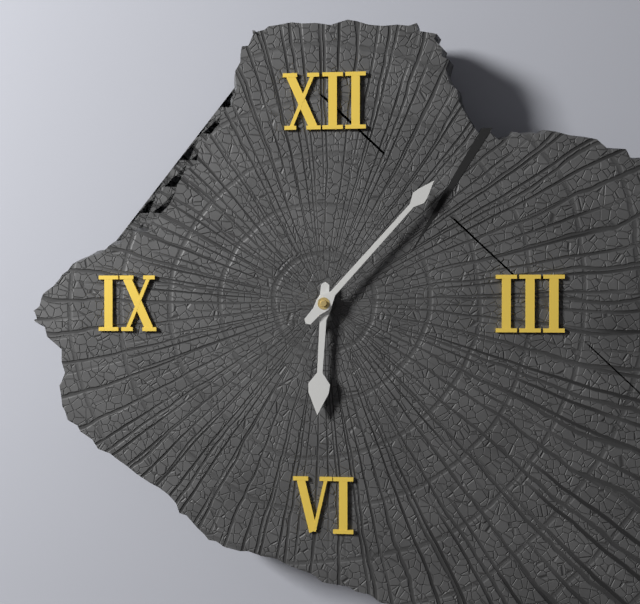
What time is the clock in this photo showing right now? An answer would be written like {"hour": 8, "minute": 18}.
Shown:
{"hour": 6, "minute": 7}
